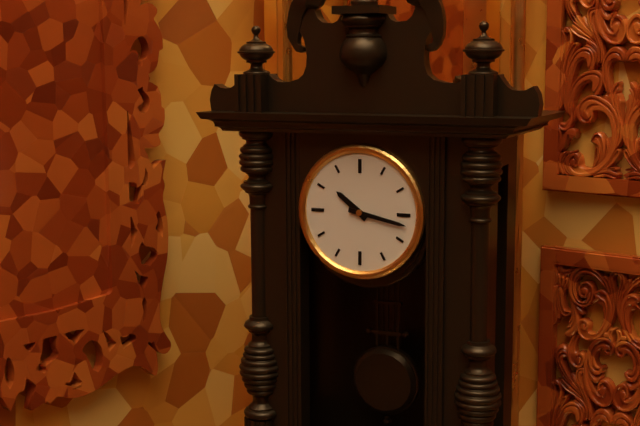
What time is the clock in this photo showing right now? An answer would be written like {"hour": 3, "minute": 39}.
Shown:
{"hour": 10, "minute": 17}
